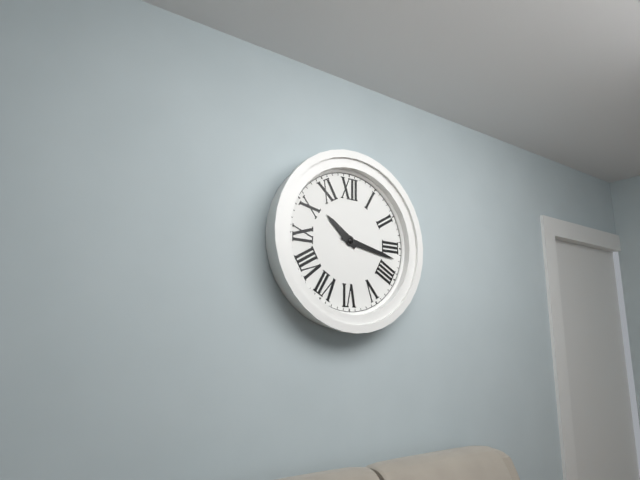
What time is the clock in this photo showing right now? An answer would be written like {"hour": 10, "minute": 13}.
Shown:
{"hour": 10, "minute": 17}
